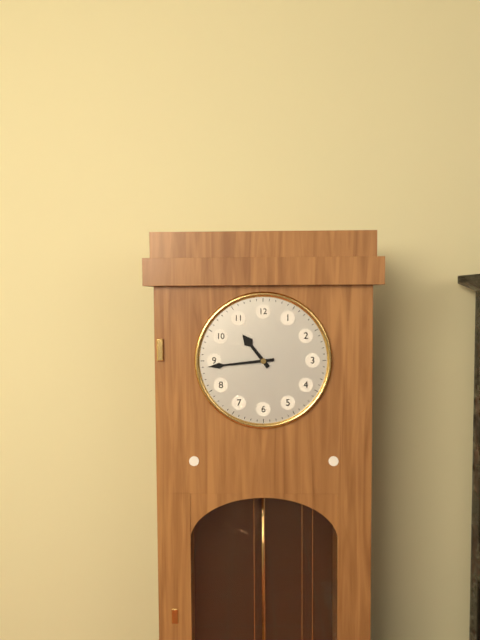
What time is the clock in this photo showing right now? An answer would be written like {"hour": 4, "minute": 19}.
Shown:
{"hour": 10, "minute": 44}
